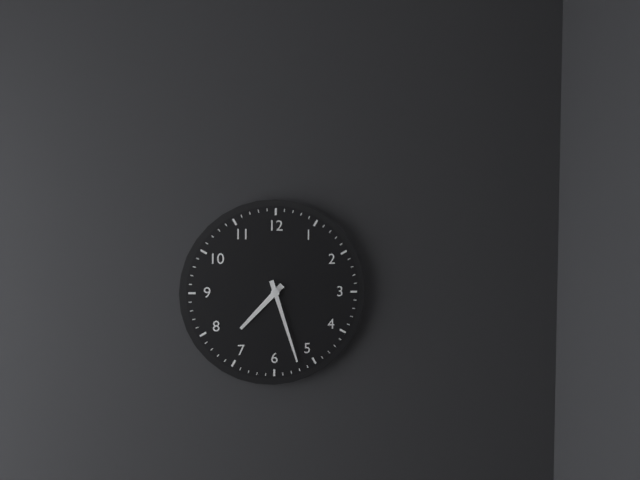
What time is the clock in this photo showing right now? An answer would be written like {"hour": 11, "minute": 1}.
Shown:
{"hour": 7, "minute": 27}
